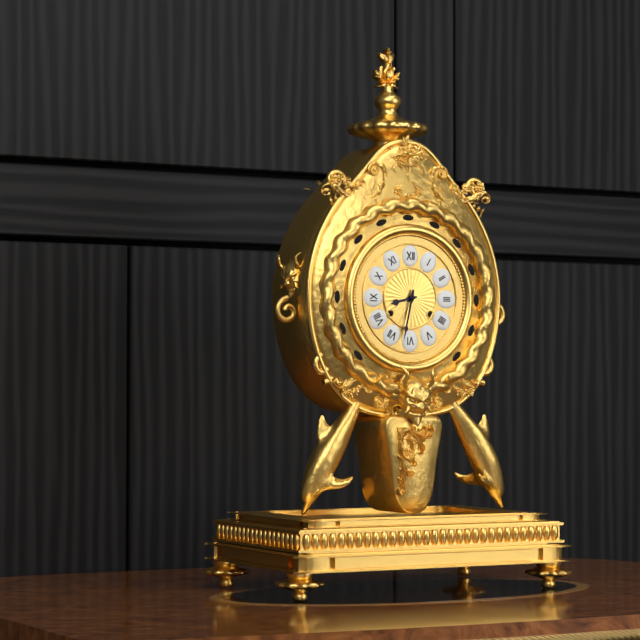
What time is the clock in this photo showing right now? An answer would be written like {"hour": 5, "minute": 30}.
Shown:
{"hour": 8, "minute": 32}
